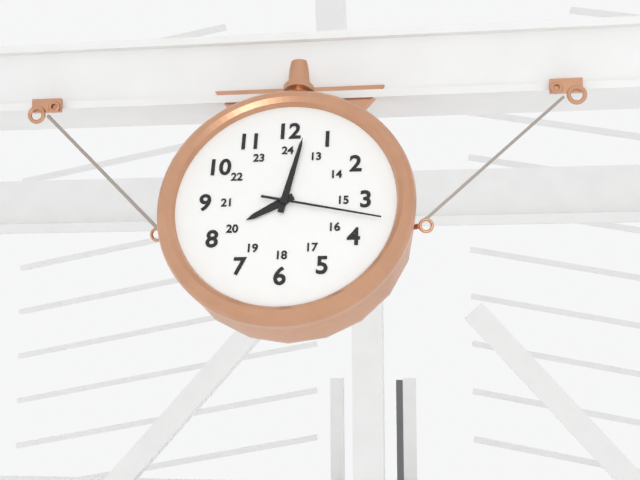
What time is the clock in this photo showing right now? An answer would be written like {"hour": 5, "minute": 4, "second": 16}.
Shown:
{"hour": 8, "minute": 2, "second": 17}
